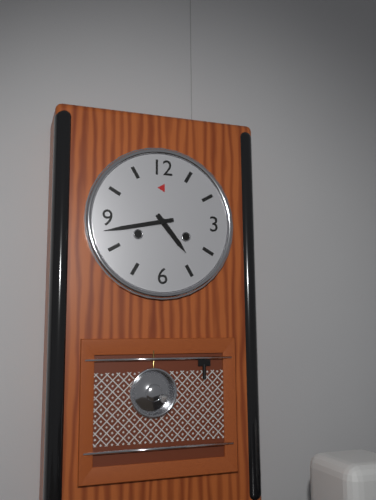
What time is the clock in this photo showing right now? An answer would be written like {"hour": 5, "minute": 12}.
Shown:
{"hour": 4, "minute": 43}
